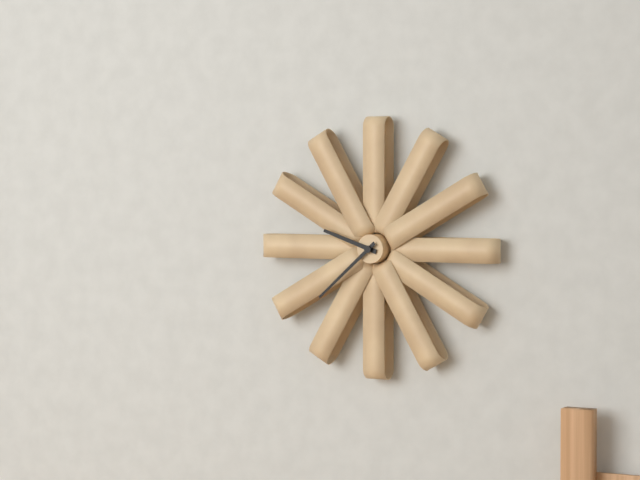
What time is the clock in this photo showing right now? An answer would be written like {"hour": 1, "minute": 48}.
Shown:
{"hour": 9, "minute": 38}
